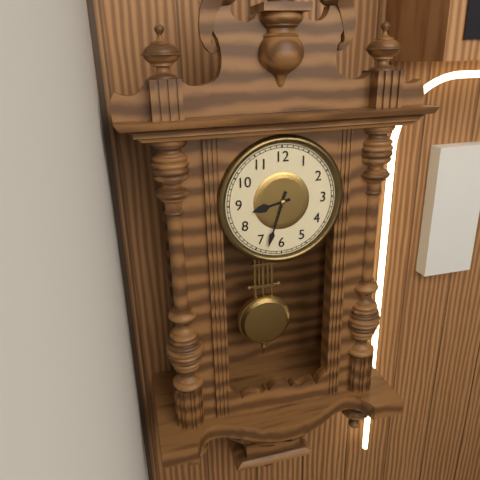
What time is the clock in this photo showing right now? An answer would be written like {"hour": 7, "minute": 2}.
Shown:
{"hour": 8, "minute": 33}
